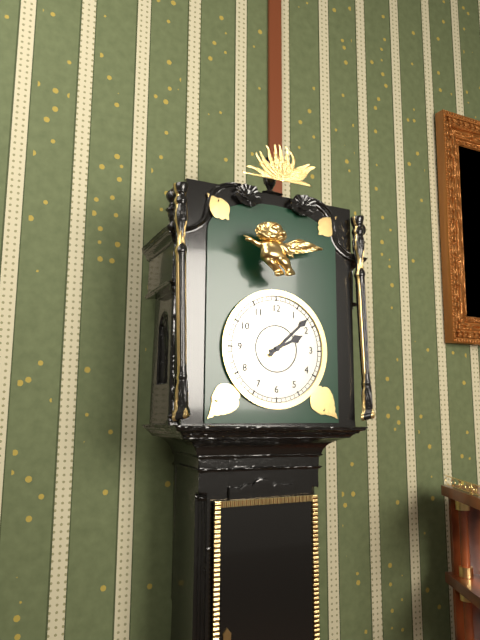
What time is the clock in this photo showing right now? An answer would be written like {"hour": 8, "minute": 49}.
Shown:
{"hour": 2, "minute": 8}
